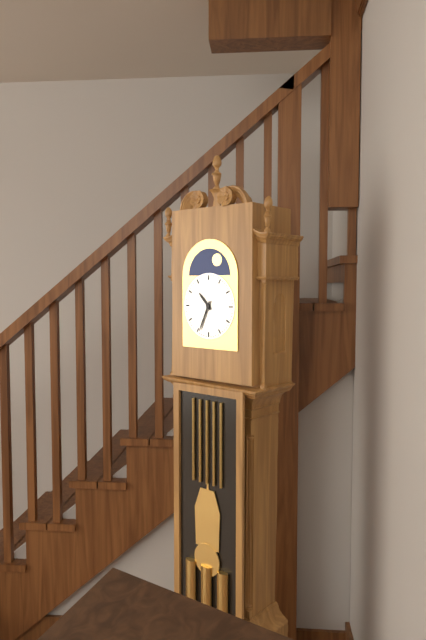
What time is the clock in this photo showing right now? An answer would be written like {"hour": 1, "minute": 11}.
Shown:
{"hour": 10, "minute": 34}
